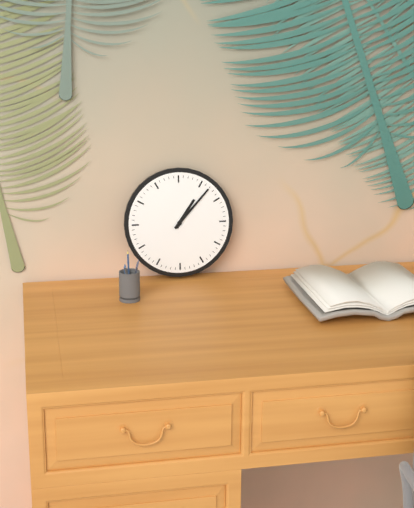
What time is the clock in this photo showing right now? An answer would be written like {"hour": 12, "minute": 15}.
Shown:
{"hour": 1, "minute": 7}
